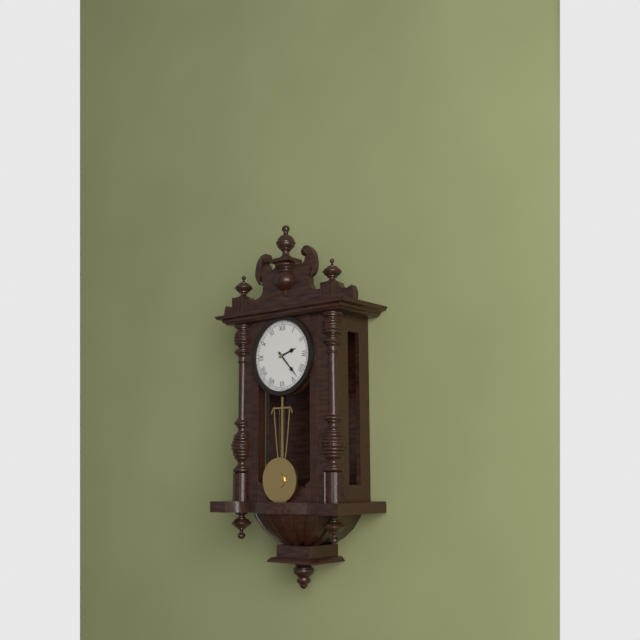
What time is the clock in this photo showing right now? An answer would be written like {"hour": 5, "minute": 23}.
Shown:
{"hour": 2, "minute": 23}
